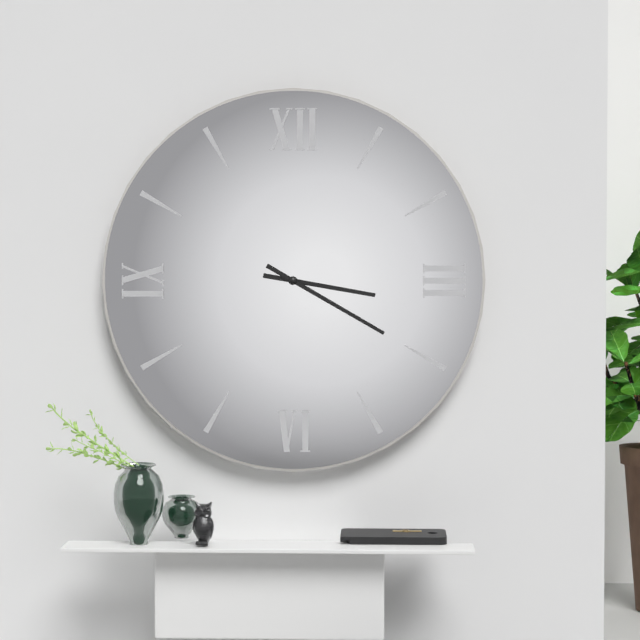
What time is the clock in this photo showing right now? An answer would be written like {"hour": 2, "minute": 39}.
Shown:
{"hour": 3, "minute": 20}
